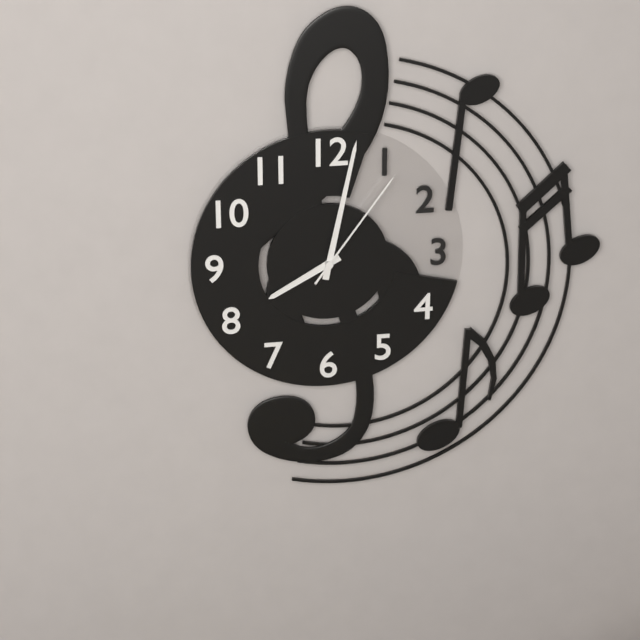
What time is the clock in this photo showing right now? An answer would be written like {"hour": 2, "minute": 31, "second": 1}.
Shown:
{"hour": 8, "minute": 2, "second": 6}
